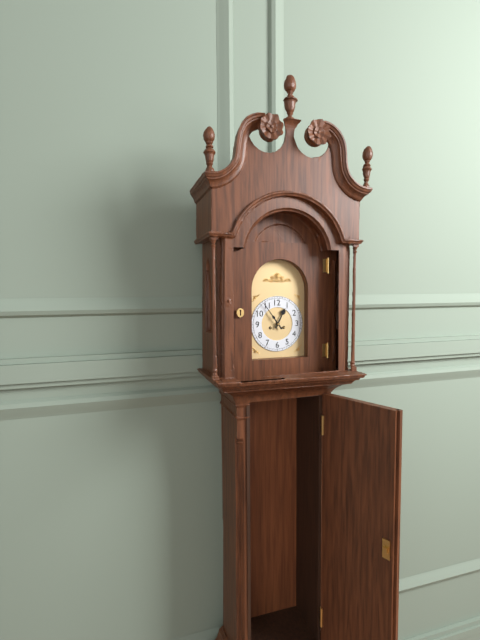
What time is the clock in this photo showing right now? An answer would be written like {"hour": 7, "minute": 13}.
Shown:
{"hour": 12, "minute": 54}
